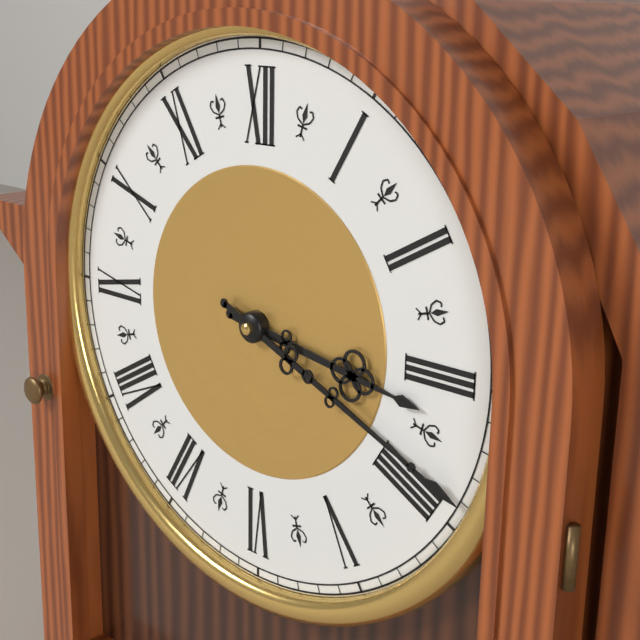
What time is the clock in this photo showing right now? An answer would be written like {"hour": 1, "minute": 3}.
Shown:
{"hour": 3, "minute": 19}
